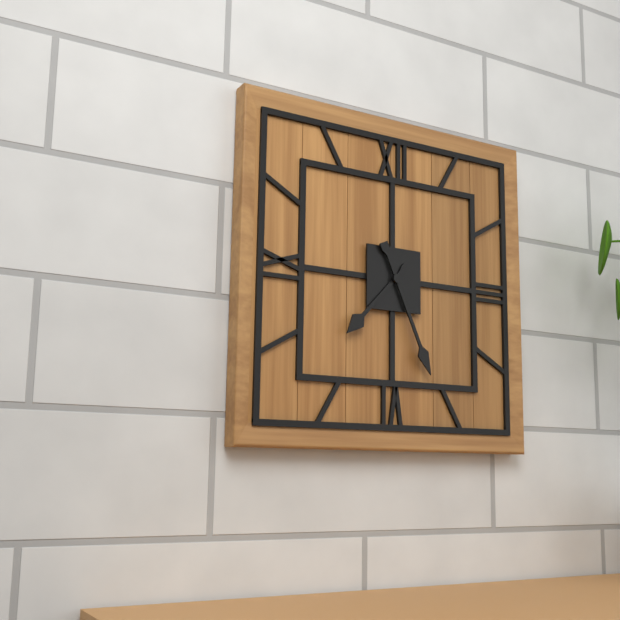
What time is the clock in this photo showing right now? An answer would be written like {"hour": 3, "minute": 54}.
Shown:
{"hour": 7, "minute": 26}
